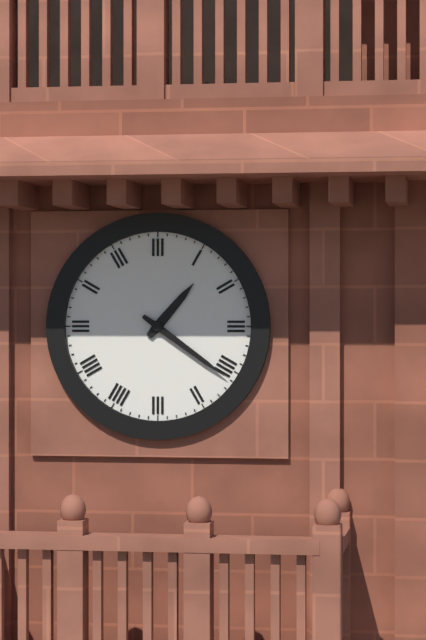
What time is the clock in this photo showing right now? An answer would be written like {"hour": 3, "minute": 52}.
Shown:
{"hour": 1, "minute": 21}
